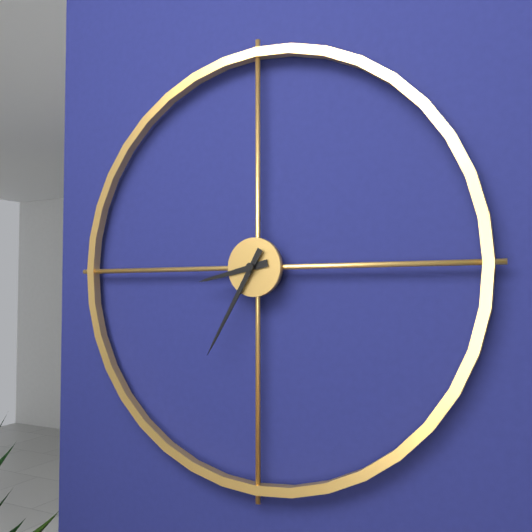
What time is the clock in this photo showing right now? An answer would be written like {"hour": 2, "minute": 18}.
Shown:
{"hour": 8, "minute": 35}
